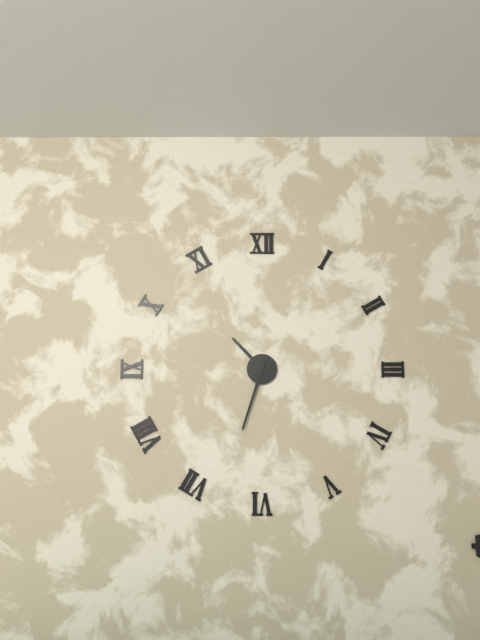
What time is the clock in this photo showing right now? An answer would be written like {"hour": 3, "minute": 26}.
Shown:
{"hour": 10, "minute": 33}
